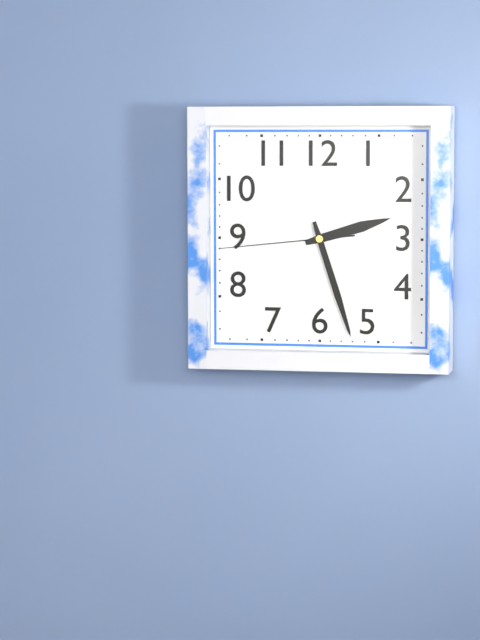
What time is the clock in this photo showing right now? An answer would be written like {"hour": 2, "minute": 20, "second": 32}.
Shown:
{"hour": 2, "minute": 27, "second": 44}
